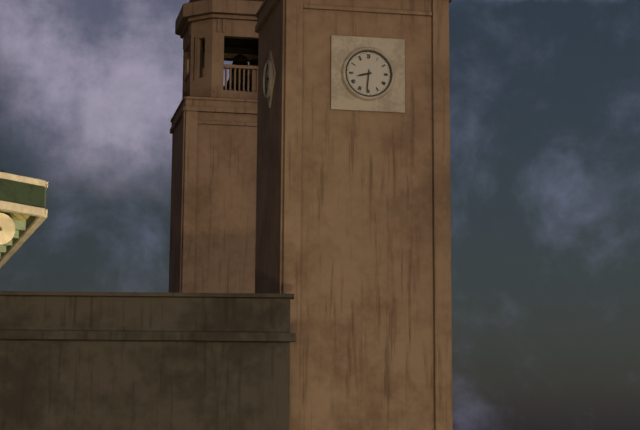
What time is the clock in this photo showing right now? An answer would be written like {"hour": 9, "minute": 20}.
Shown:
{"hour": 8, "minute": 31}
